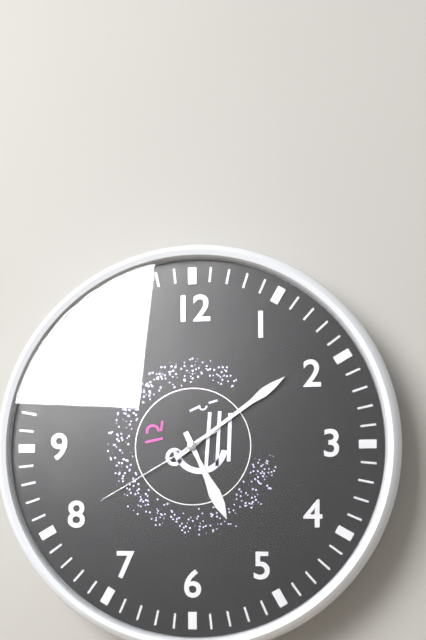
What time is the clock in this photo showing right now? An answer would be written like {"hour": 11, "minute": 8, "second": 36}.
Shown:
{"hour": 5, "minute": 9, "second": 40}
